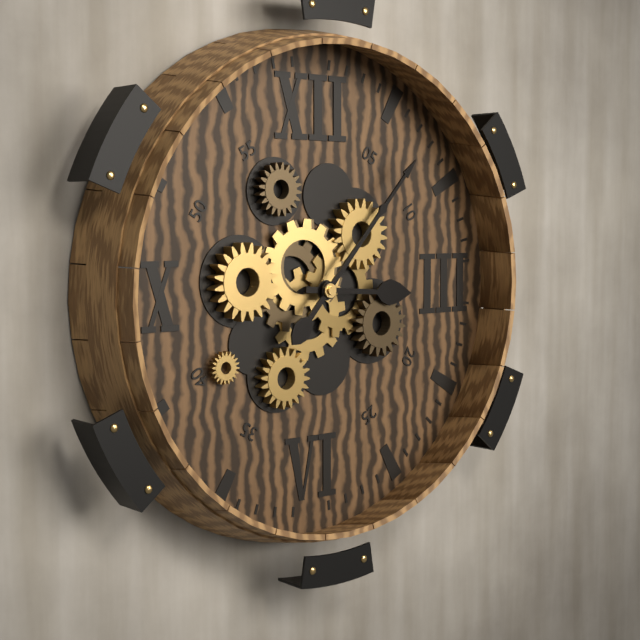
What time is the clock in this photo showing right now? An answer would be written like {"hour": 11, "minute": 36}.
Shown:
{"hour": 3, "minute": 7}
